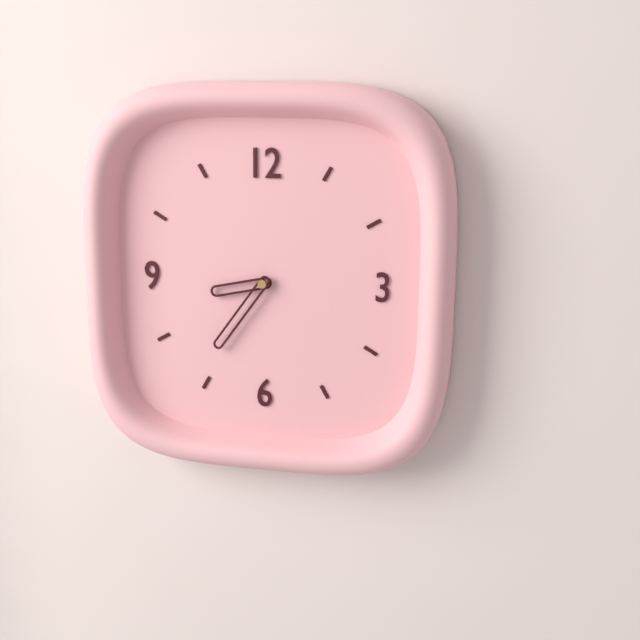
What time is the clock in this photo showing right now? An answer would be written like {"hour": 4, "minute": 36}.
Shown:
{"hour": 8, "minute": 36}
